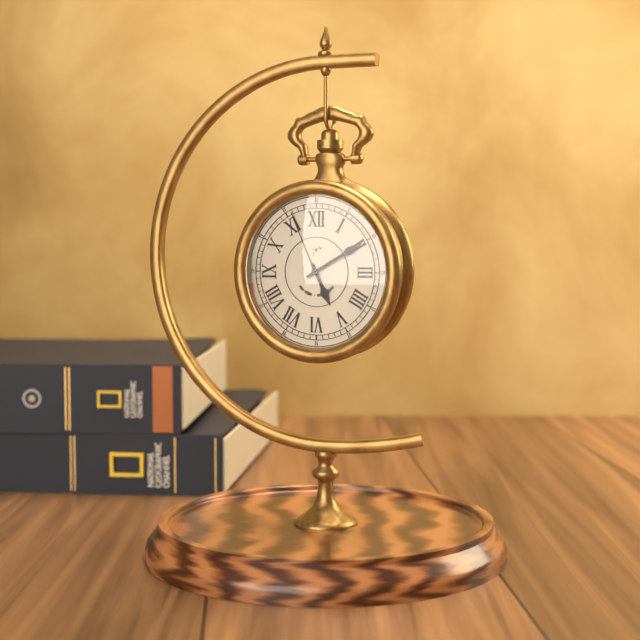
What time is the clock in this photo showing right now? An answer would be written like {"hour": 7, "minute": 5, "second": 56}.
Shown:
{"hour": 5, "minute": 10, "second": 56}
